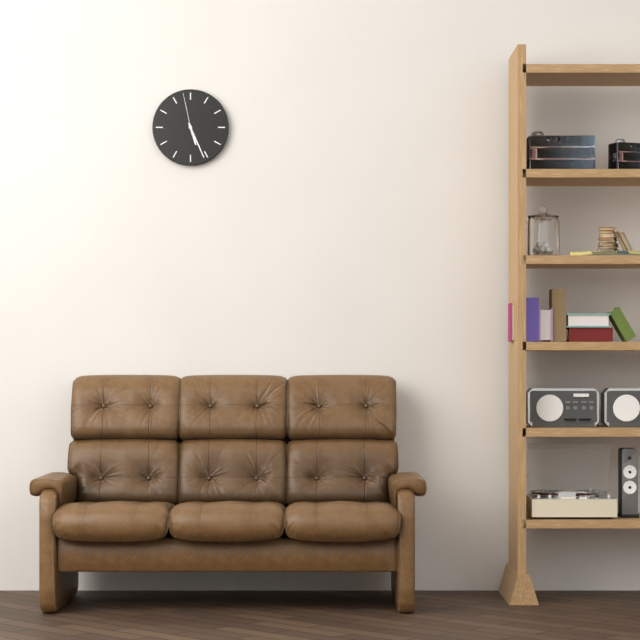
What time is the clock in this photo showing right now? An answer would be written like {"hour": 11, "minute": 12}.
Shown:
{"hour": 5, "minute": 26}
